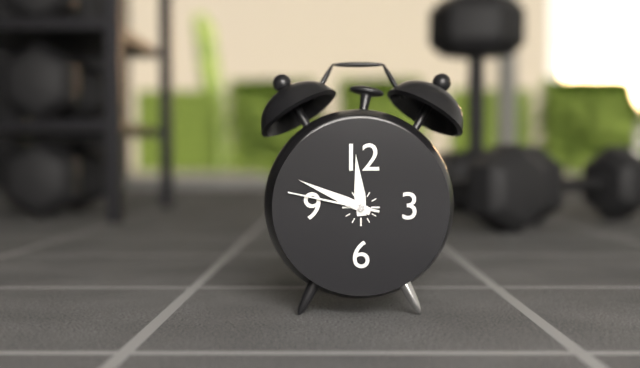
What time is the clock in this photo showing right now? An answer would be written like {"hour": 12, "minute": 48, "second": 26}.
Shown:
{"hour": 11, "minute": 49, "second": 47}
